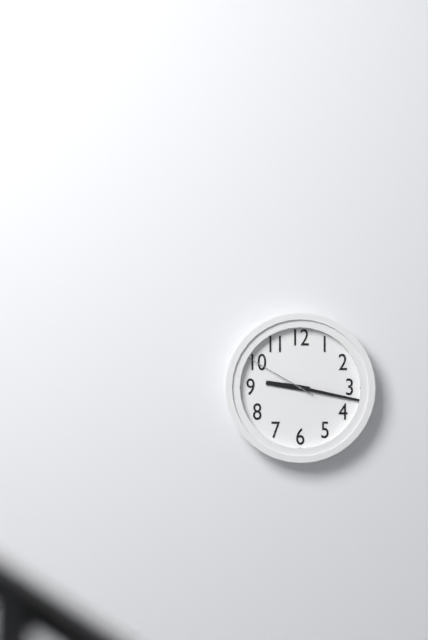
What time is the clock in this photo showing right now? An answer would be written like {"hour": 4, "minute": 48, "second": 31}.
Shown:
{"hour": 9, "minute": 17, "second": 50}
